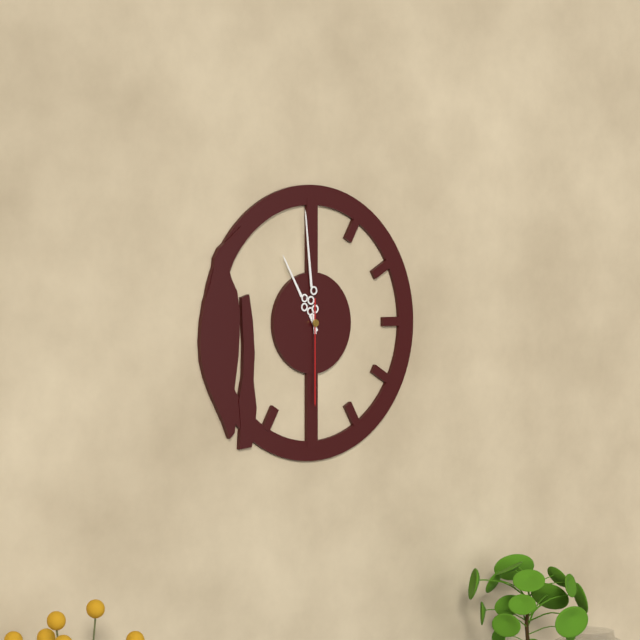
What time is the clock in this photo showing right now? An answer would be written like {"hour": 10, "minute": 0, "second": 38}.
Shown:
{"hour": 10, "minute": 59, "second": 30}
